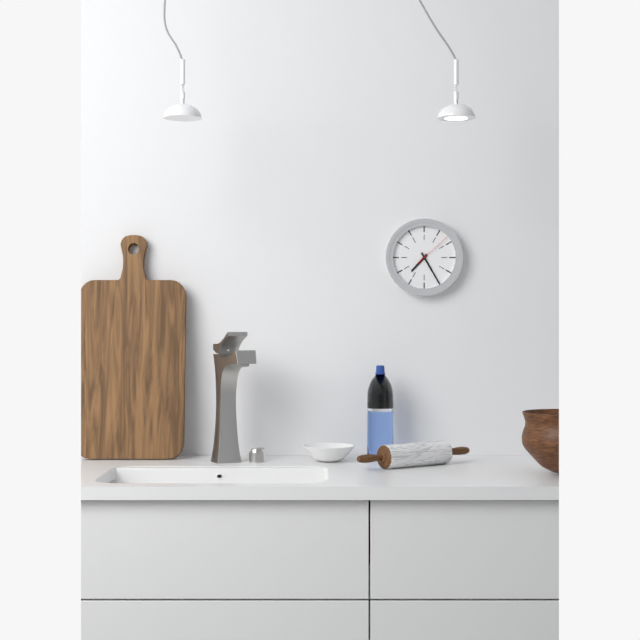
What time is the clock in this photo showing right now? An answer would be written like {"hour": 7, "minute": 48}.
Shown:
{"hour": 7, "minute": 25}
